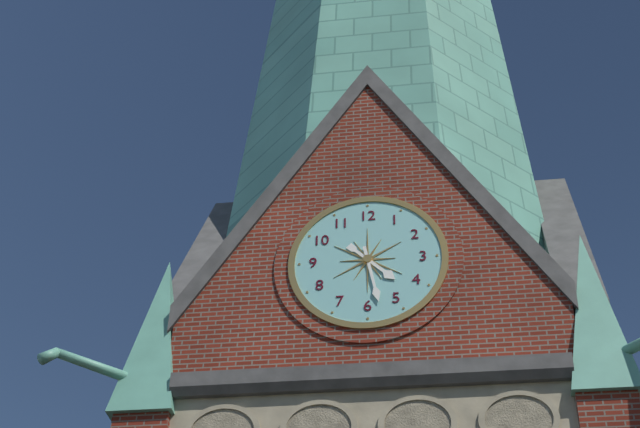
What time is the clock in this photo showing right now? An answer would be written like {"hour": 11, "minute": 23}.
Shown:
{"hour": 4, "minute": 28}
